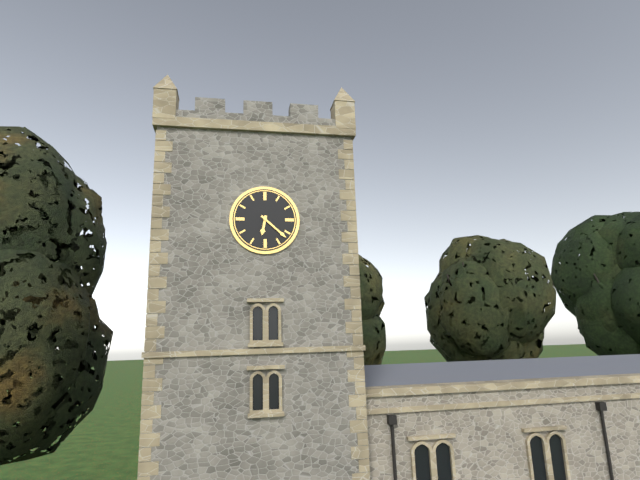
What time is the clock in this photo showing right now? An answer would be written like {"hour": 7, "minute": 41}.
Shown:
{"hour": 6, "minute": 22}
